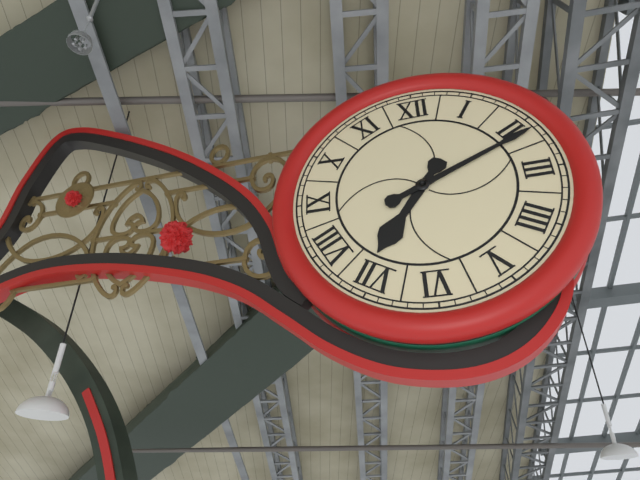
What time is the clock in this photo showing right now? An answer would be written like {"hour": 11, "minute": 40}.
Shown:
{"hour": 7, "minute": 11}
